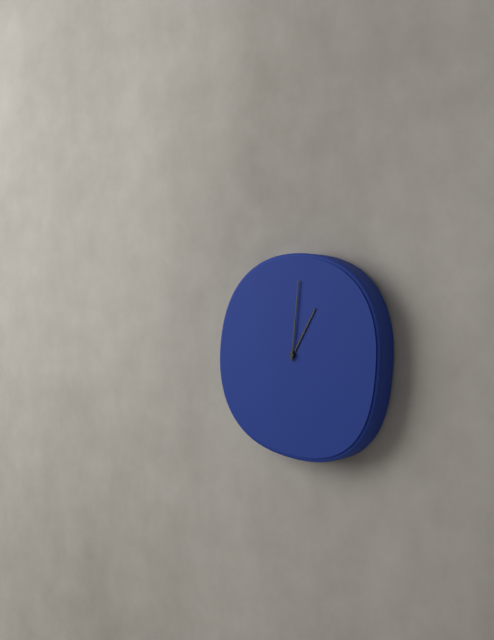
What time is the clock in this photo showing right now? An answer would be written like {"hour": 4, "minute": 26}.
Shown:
{"hour": 1, "minute": 1}
